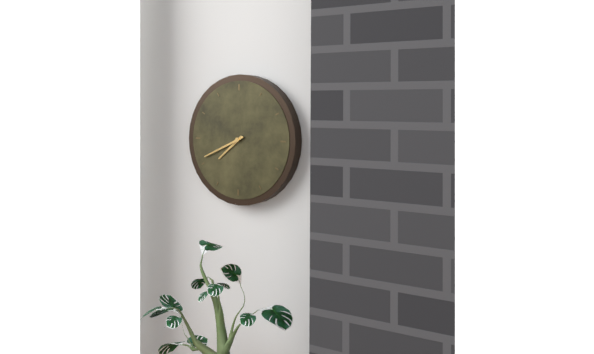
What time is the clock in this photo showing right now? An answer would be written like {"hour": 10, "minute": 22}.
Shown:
{"hour": 7, "minute": 41}
